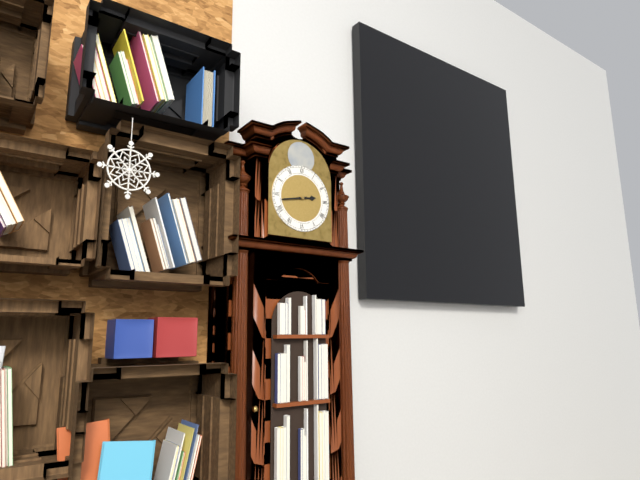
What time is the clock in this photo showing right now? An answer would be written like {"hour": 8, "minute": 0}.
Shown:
{"hour": 2, "minute": 43}
